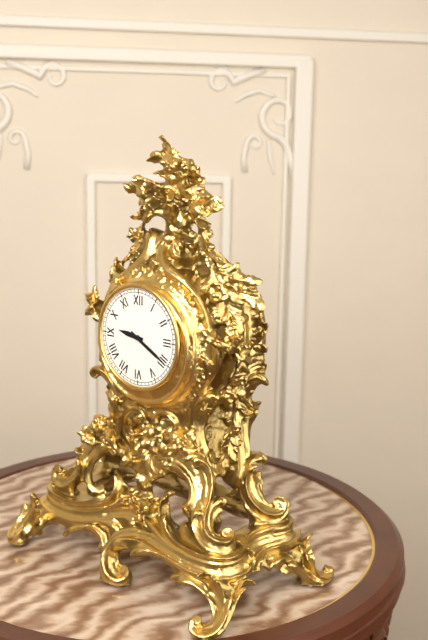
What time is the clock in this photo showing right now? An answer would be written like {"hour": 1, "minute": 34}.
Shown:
{"hour": 9, "minute": 20}
